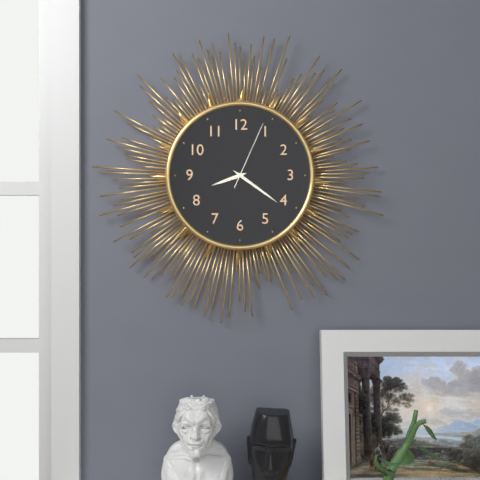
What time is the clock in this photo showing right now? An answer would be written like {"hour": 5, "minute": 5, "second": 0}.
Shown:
{"hour": 8, "minute": 21, "second": 4}
